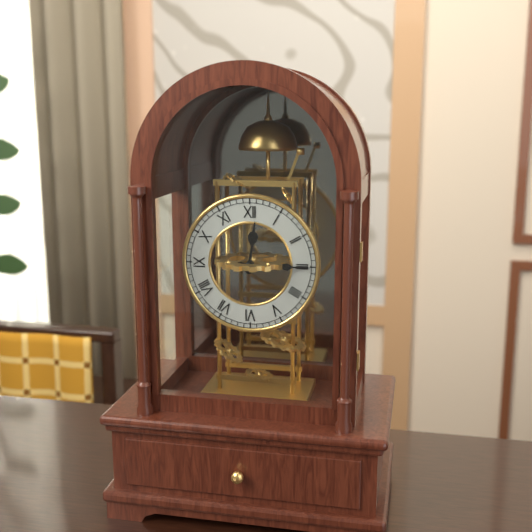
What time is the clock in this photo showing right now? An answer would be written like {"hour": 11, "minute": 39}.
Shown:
{"hour": 12, "minute": 15}
